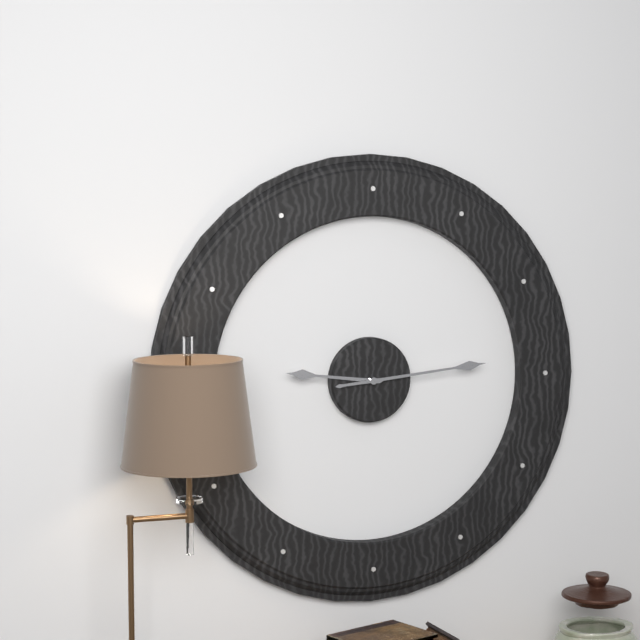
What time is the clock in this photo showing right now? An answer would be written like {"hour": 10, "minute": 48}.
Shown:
{"hour": 9, "minute": 14}
